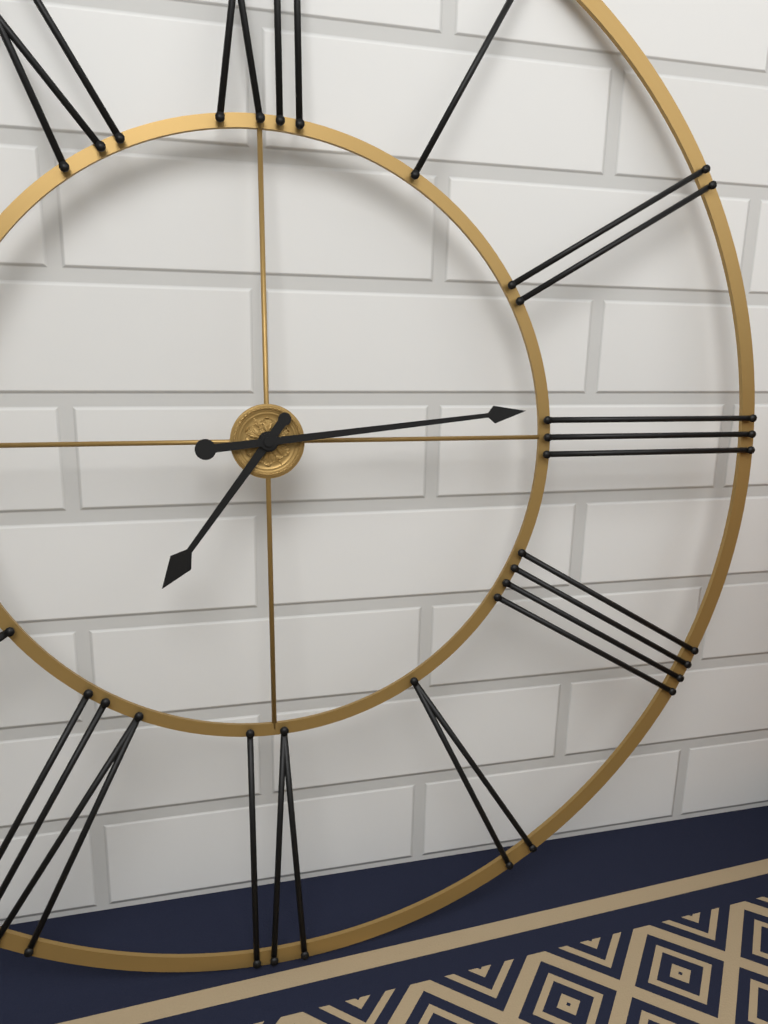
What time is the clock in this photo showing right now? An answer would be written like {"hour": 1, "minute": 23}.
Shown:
{"hour": 7, "minute": 14}
